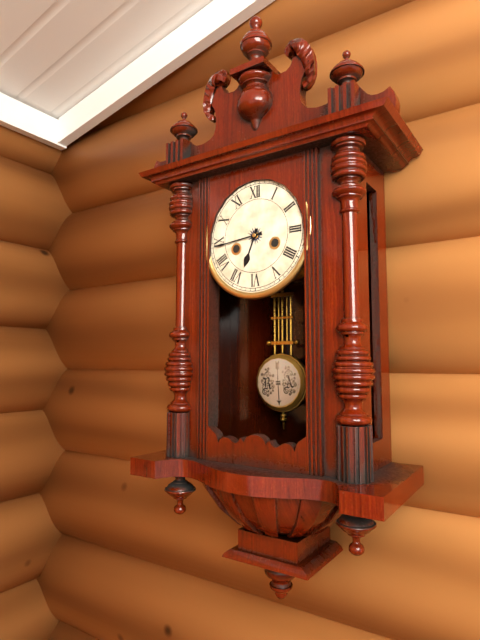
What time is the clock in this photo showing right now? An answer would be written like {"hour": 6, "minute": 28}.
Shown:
{"hour": 6, "minute": 44}
